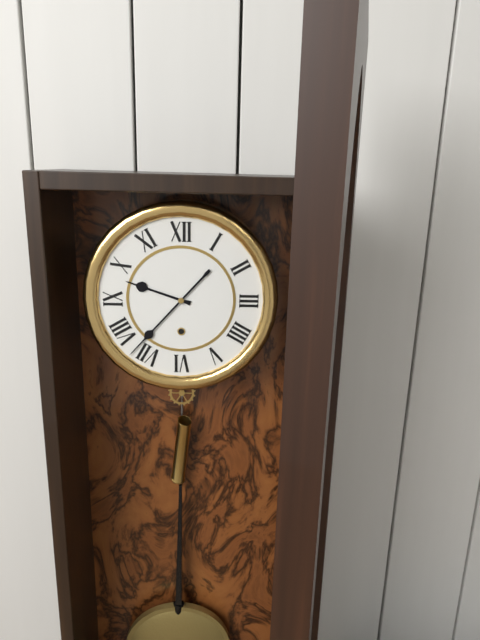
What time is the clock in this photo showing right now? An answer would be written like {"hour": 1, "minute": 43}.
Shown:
{"hour": 9, "minute": 37}
